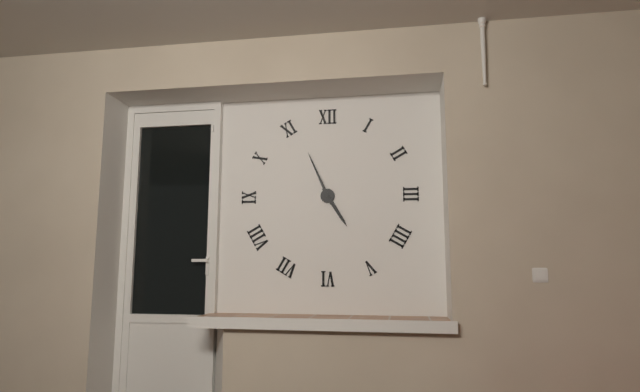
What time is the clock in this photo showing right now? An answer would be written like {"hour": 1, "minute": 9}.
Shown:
{"hour": 4, "minute": 56}
